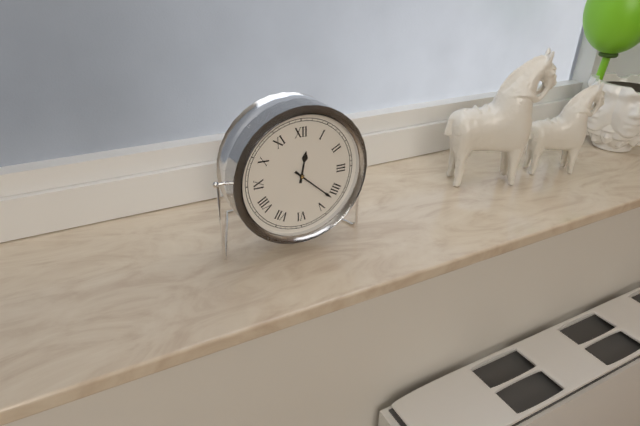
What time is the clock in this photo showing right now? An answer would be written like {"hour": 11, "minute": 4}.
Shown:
{"hour": 12, "minute": 22}
